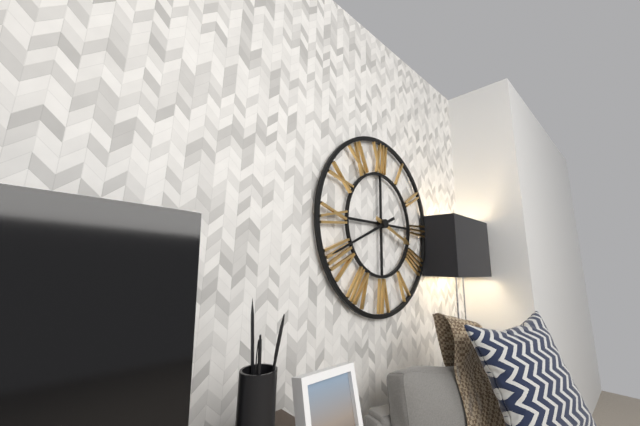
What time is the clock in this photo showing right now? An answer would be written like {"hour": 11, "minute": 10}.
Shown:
{"hour": 3, "minute": 41}
